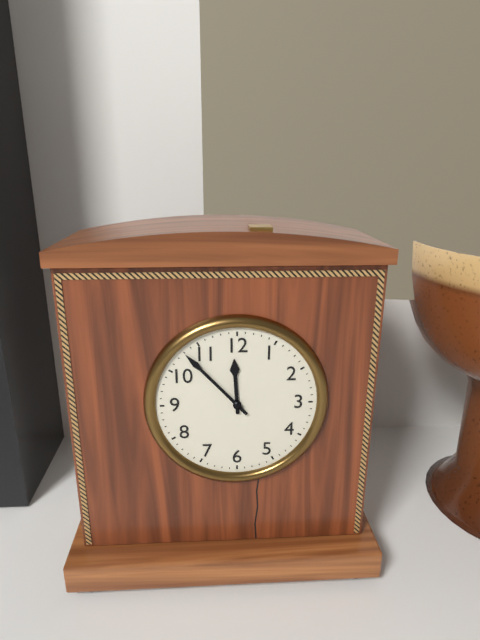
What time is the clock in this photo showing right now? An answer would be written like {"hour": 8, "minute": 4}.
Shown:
{"hour": 11, "minute": 53}
